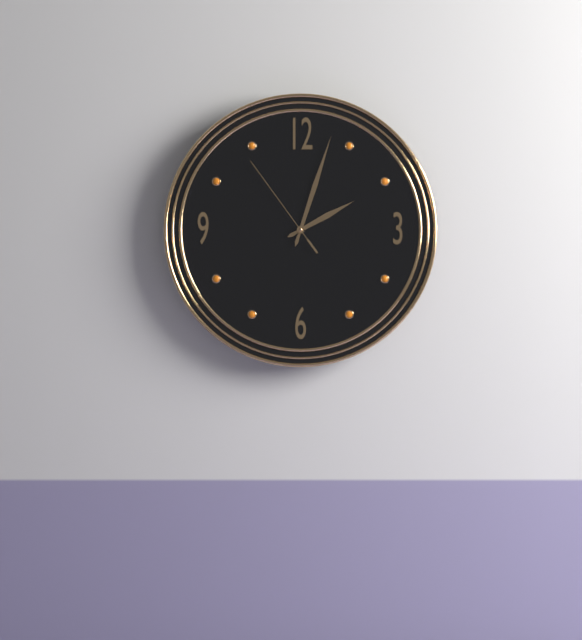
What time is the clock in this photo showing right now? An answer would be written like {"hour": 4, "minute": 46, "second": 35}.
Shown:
{"hour": 2, "minute": 3, "second": 54}
